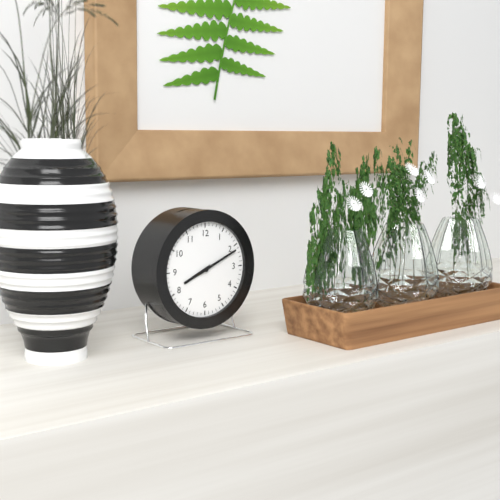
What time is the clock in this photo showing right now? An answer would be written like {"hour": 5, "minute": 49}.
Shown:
{"hour": 8, "minute": 11}
